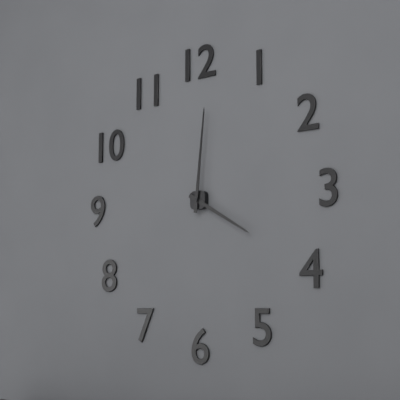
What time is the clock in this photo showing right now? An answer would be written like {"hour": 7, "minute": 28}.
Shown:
{"hour": 4, "minute": 1}
